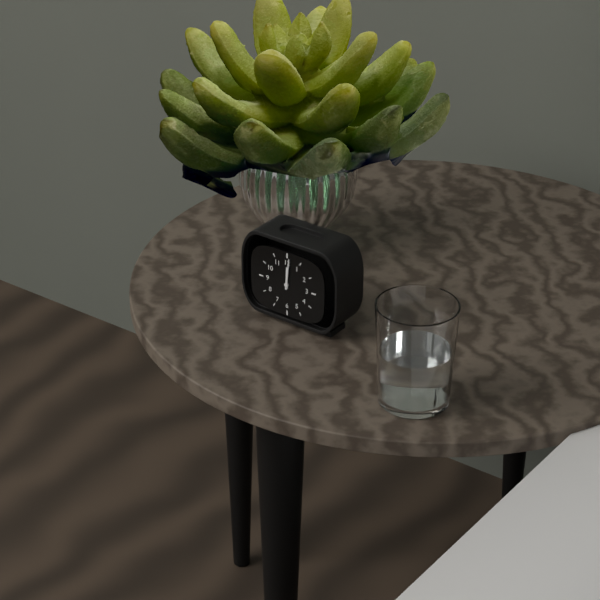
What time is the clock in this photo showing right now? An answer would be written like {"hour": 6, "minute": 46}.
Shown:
{"hour": 12, "minute": 1}
